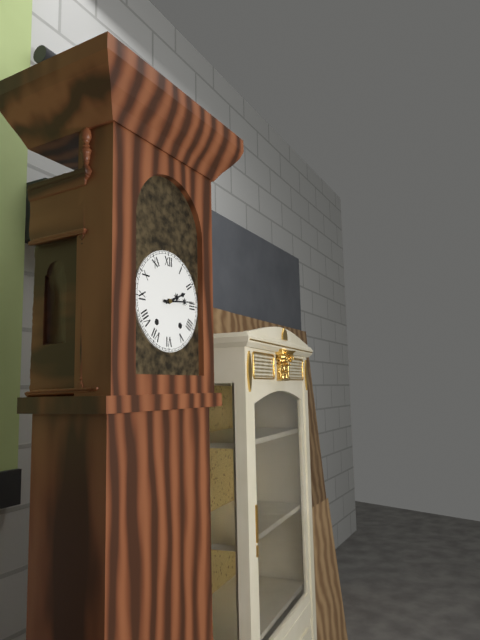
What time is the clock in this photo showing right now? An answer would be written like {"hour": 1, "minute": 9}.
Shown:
{"hour": 2, "minute": 14}
